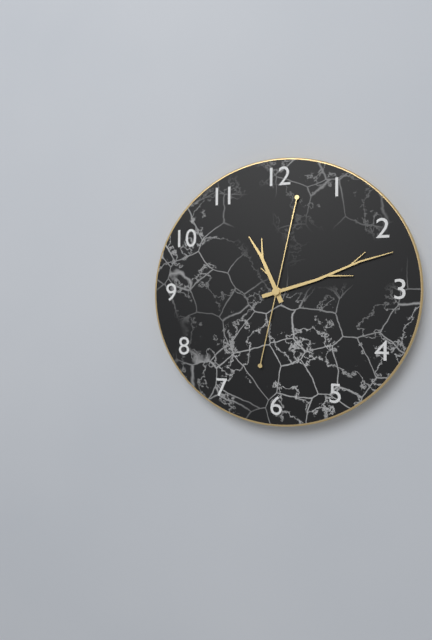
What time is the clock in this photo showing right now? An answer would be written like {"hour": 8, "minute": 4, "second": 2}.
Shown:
{"hour": 11, "minute": 12, "second": 2}
